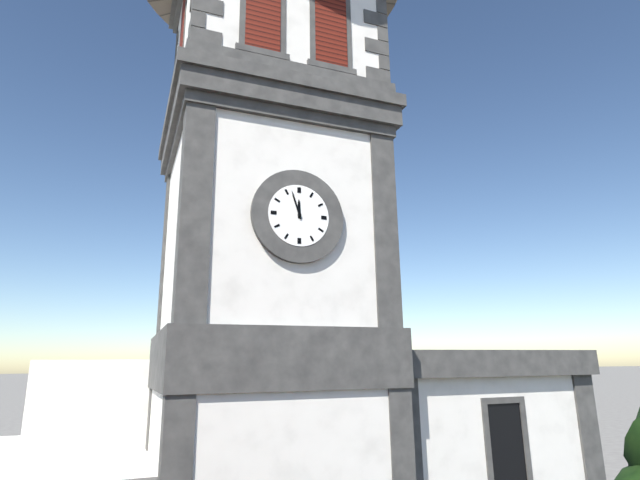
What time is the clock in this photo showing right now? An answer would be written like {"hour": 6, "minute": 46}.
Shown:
{"hour": 11, "minute": 57}
